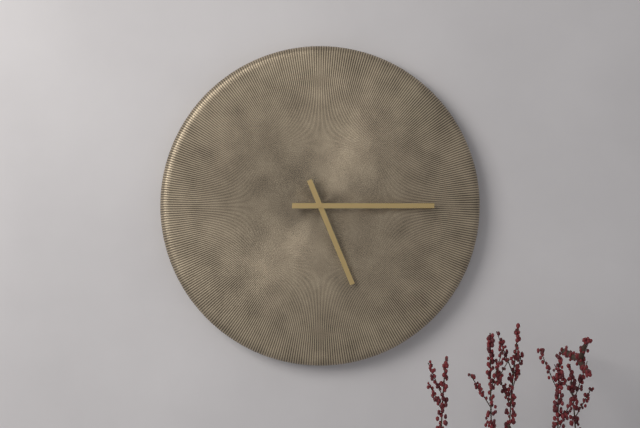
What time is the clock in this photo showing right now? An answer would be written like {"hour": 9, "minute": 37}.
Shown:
{"hour": 5, "minute": 15}
